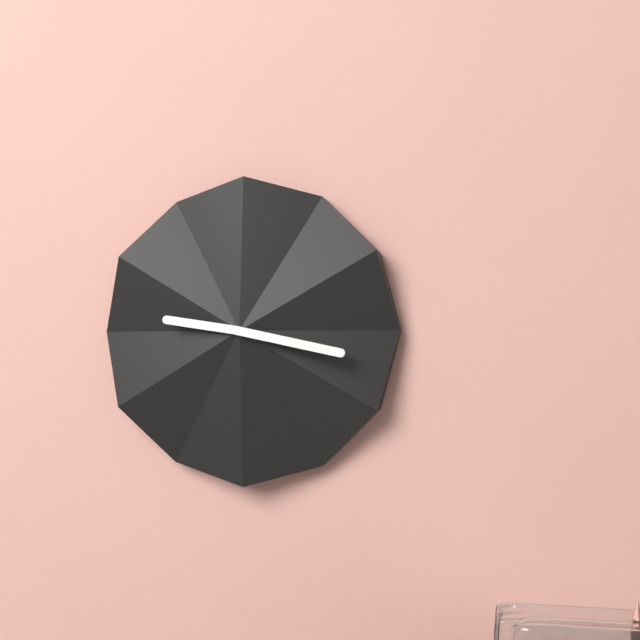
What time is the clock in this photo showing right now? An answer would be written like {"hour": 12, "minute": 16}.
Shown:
{"hour": 9, "minute": 17}
